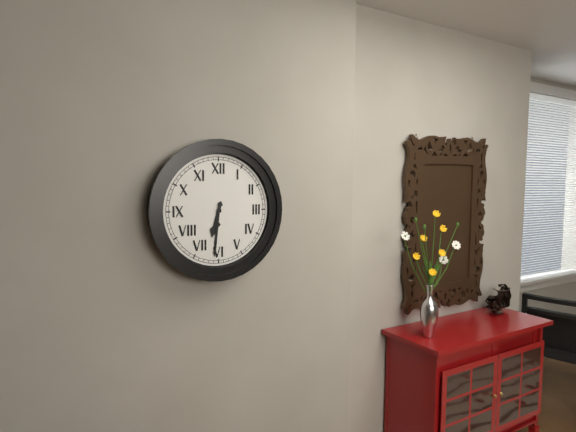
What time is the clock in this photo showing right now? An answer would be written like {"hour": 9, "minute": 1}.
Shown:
{"hour": 6, "minute": 31}
